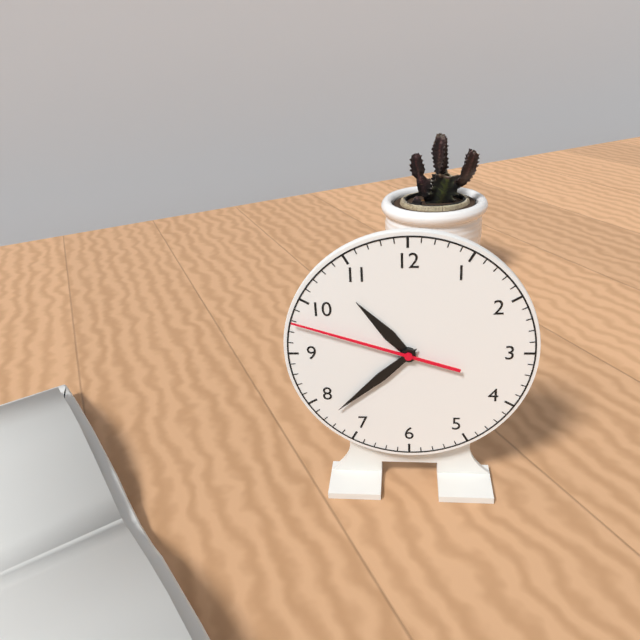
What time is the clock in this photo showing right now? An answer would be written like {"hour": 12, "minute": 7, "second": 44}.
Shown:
{"hour": 10, "minute": 38, "second": 48}
